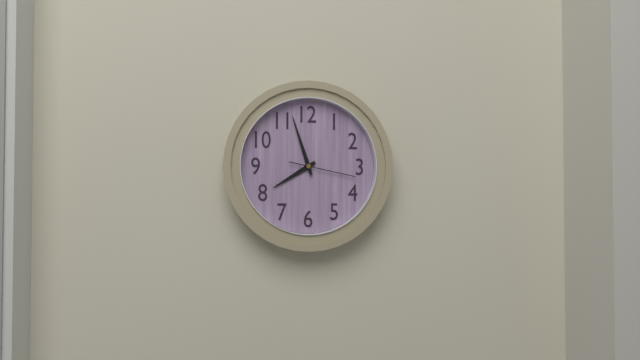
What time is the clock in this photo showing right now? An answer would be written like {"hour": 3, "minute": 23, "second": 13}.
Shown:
{"hour": 7, "minute": 57, "second": 17}
